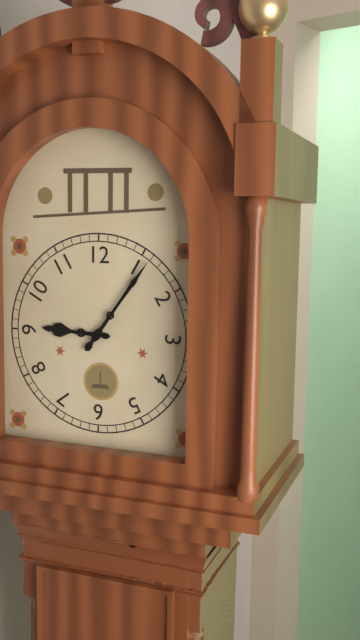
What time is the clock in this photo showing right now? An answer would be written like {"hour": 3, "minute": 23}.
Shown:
{"hour": 9, "minute": 6}
